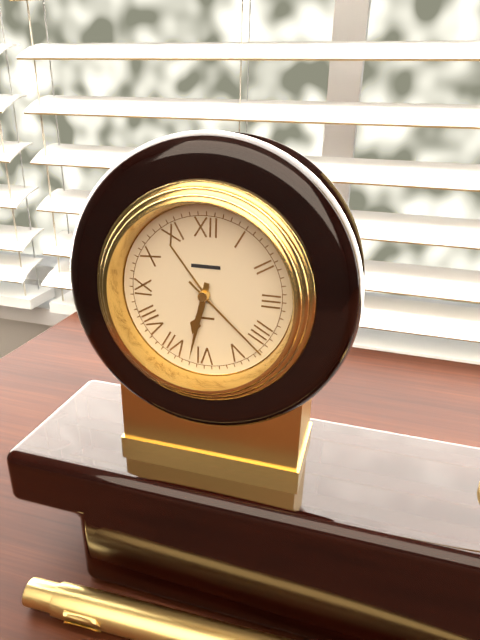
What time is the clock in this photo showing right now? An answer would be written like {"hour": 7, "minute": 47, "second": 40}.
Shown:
{"hour": 6, "minute": 32, "second": 22}
